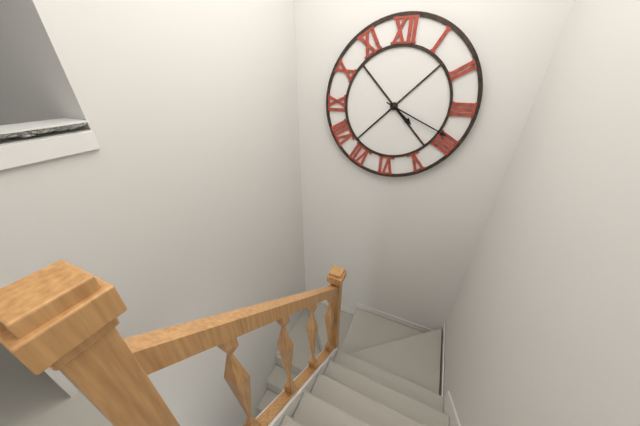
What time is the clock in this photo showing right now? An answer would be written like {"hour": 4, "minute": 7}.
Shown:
{"hour": 4, "minute": 19}
